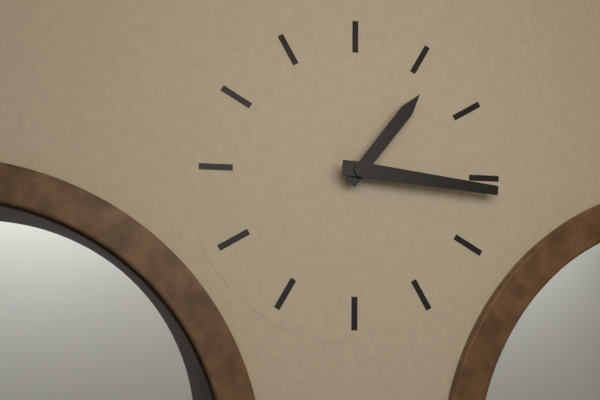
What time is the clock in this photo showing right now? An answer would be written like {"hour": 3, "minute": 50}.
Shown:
{"hour": 1, "minute": 16}
